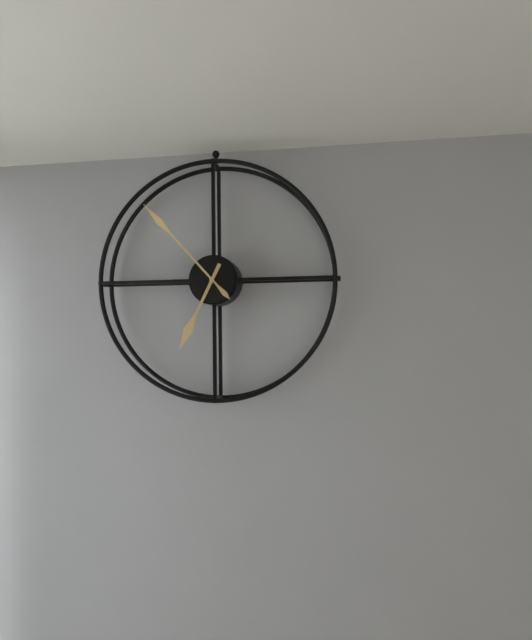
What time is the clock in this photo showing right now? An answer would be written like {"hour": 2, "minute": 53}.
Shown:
{"hour": 6, "minute": 53}
